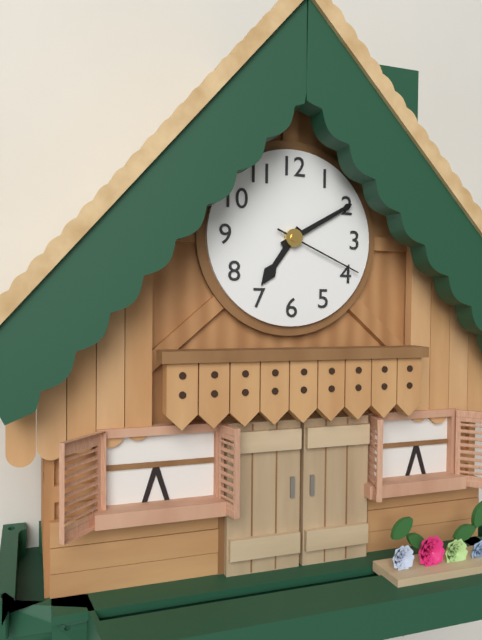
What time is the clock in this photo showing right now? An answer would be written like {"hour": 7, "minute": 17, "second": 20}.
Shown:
{"hour": 7, "minute": 10, "second": 19}
